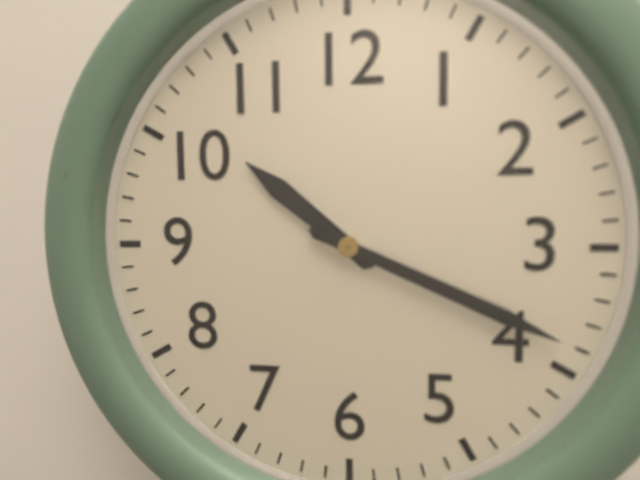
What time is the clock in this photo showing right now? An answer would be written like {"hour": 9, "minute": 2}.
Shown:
{"hour": 10, "minute": 19}
